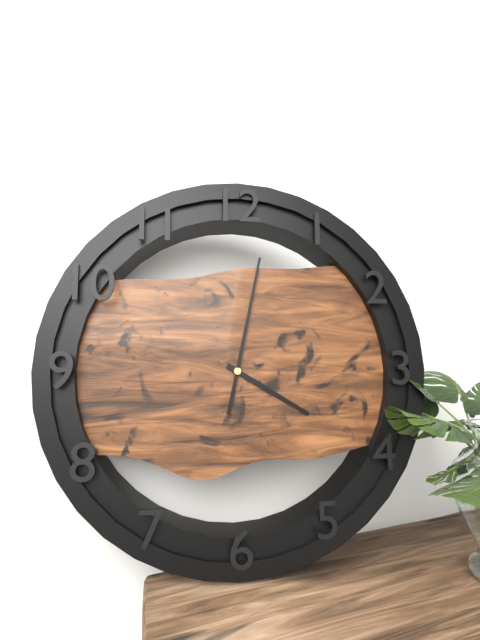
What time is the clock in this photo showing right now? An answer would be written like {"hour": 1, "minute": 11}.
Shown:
{"hour": 4, "minute": 2}
